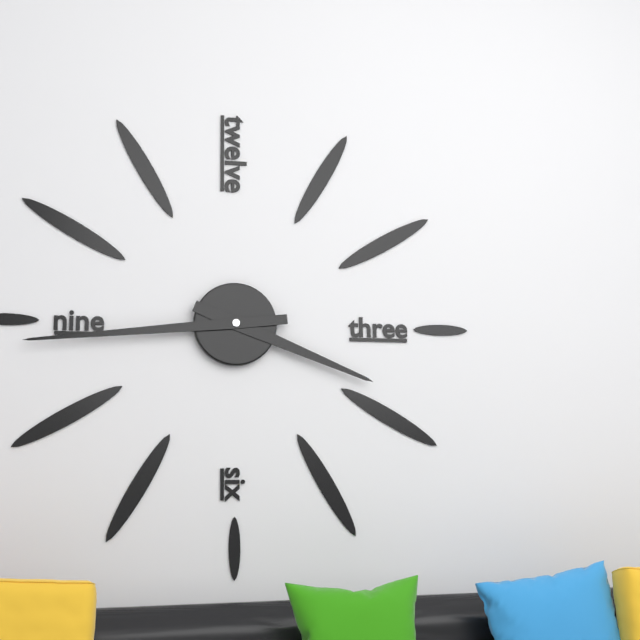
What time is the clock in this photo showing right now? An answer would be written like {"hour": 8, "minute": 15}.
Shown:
{"hour": 3, "minute": 44}
